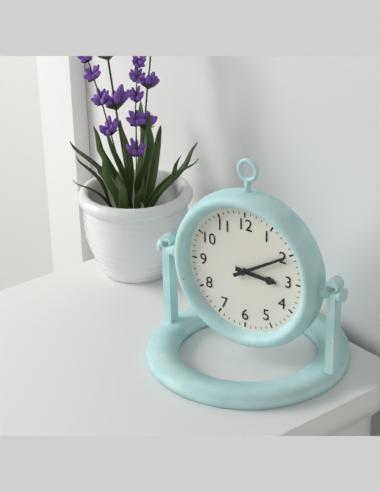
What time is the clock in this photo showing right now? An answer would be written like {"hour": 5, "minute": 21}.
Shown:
{"hour": 3, "minute": 10}
